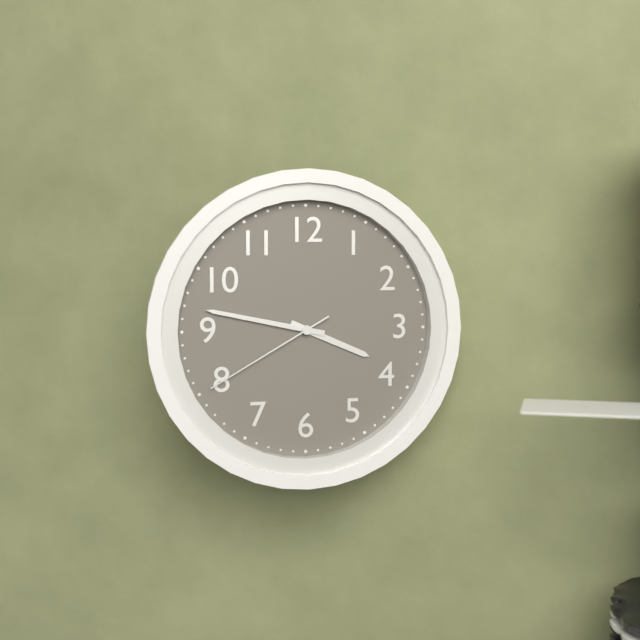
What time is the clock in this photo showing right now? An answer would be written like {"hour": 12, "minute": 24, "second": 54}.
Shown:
{"hour": 3, "minute": 47, "second": 40}
